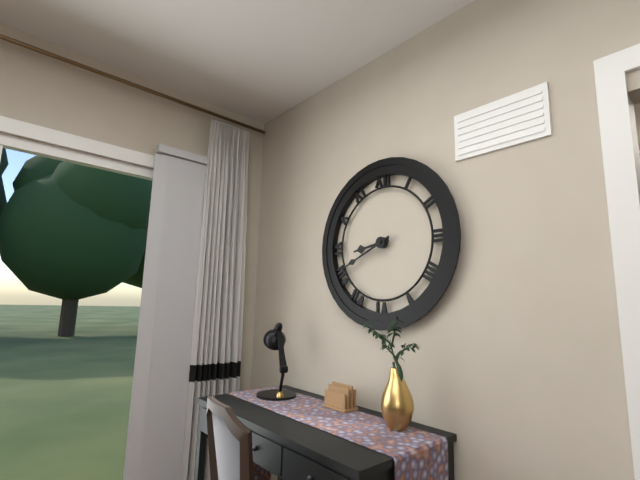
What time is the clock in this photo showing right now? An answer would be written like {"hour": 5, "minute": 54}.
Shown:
{"hour": 8, "minute": 41}
